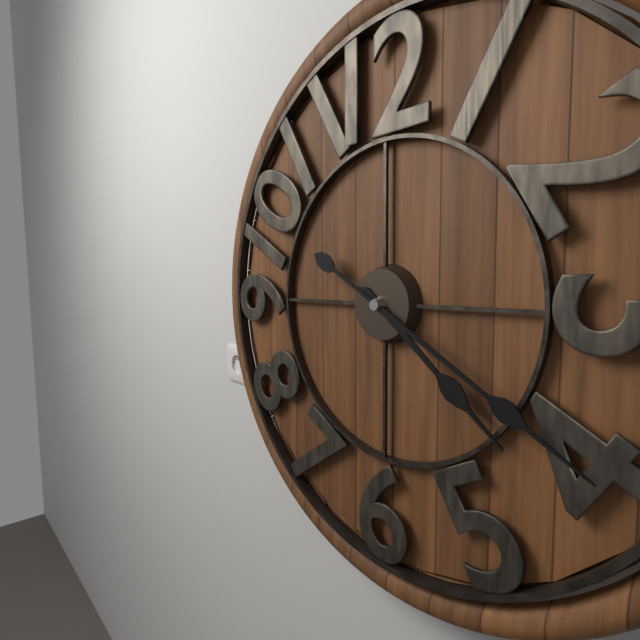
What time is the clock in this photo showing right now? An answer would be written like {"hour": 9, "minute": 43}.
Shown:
{"hour": 4, "minute": 20}
